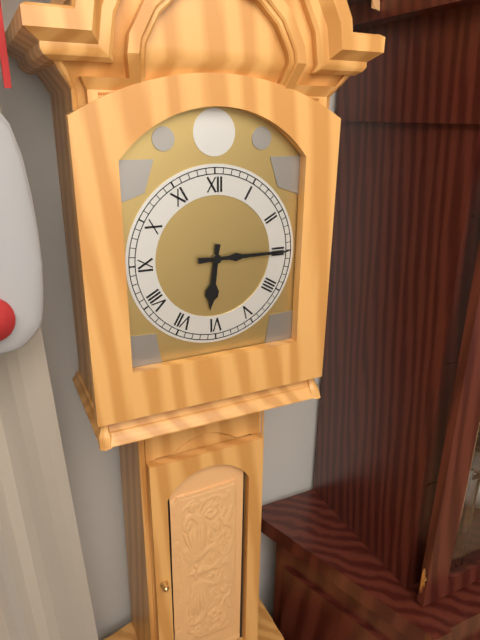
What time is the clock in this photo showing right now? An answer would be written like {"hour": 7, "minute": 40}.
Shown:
{"hour": 6, "minute": 15}
